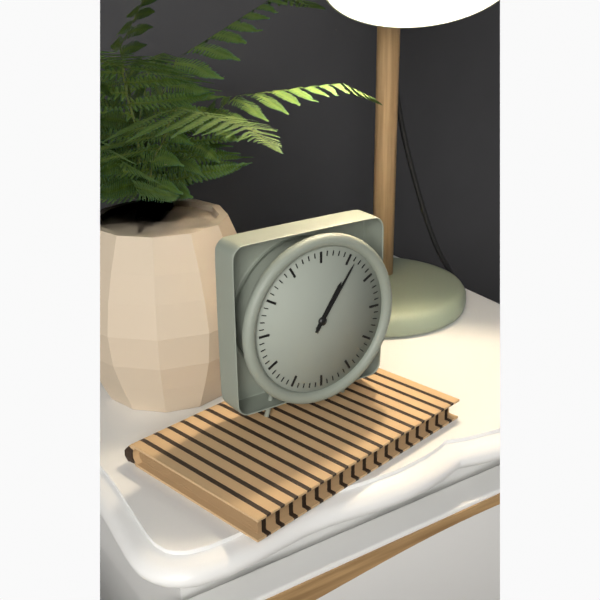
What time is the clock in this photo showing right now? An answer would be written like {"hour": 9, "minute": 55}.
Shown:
{"hour": 1, "minute": 6}
